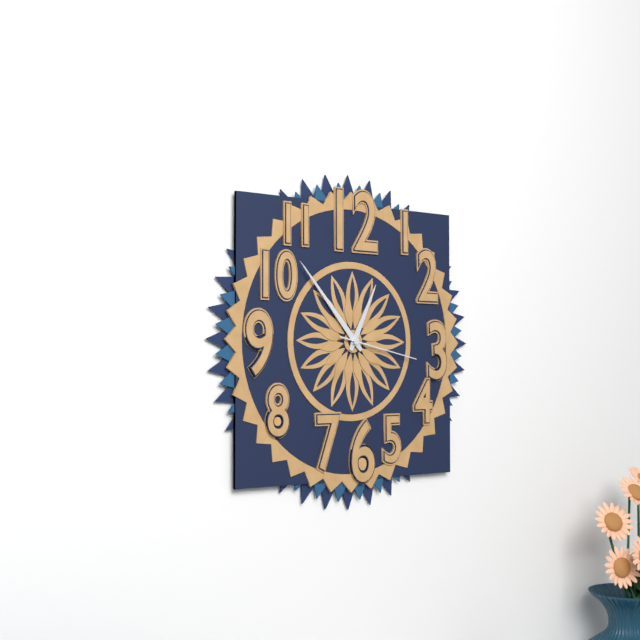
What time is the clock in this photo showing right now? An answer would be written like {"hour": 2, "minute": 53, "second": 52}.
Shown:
{"hour": 12, "minute": 53, "second": 17}
